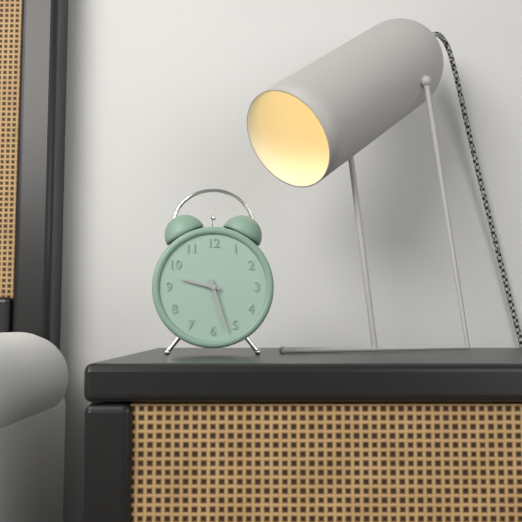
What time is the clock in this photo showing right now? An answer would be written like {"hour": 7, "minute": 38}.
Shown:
{"hour": 9, "minute": 27}
